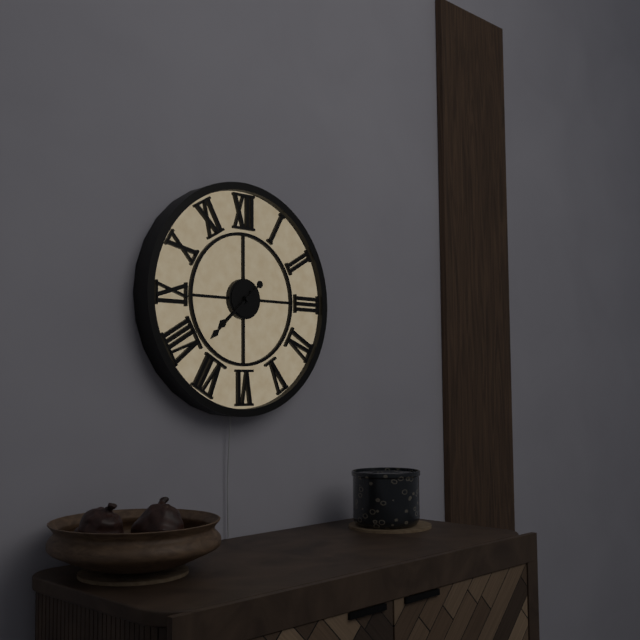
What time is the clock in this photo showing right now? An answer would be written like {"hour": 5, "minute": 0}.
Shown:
{"hour": 7, "minute": 38}
